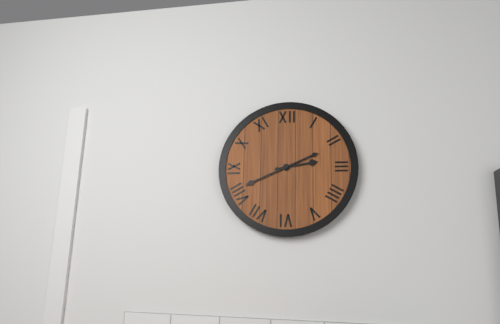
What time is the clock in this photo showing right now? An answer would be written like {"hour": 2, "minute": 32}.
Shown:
{"hour": 2, "minute": 41}
